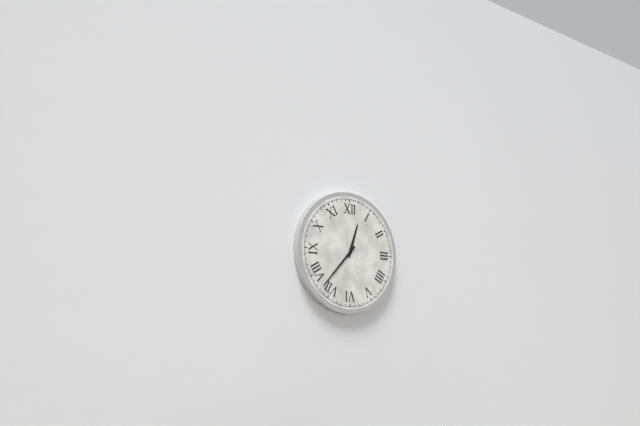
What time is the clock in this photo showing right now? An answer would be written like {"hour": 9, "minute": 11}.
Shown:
{"hour": 12, "minute": 37}
